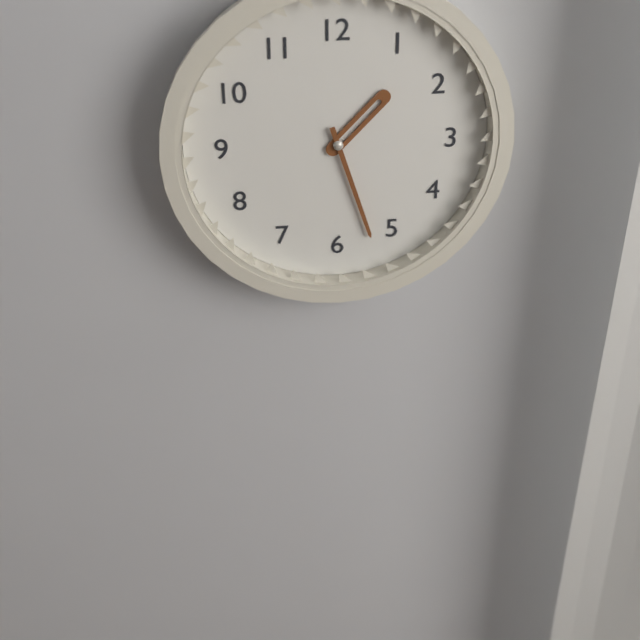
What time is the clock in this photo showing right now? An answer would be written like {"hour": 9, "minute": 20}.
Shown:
{"hour": 1, "minute": 27}
